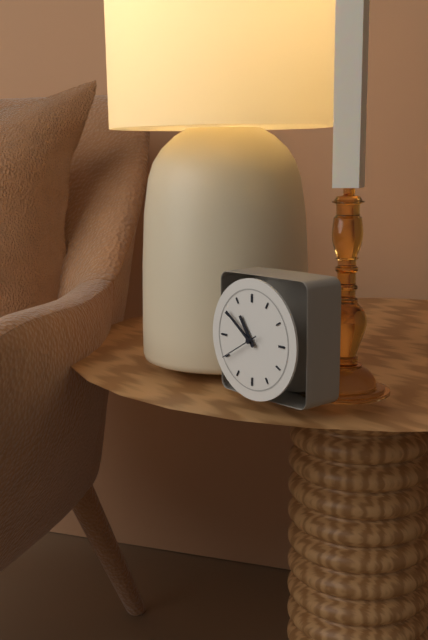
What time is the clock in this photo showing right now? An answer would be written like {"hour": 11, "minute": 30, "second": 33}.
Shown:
{"hour": 10, "minute": 51, "second": 40}
